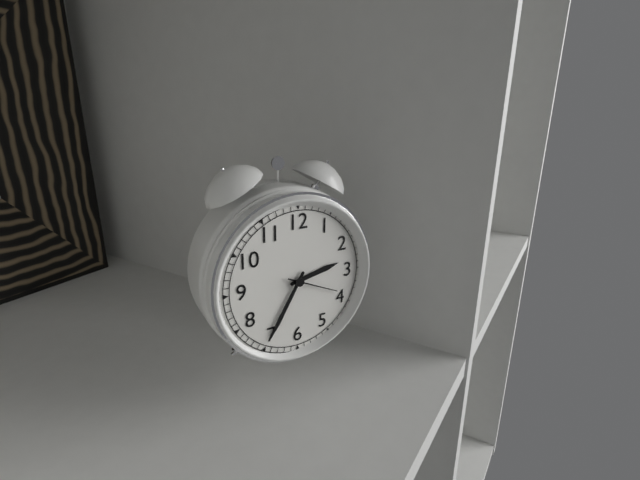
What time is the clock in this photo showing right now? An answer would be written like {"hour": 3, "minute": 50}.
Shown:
{"hour": 2, "minute": 35}
